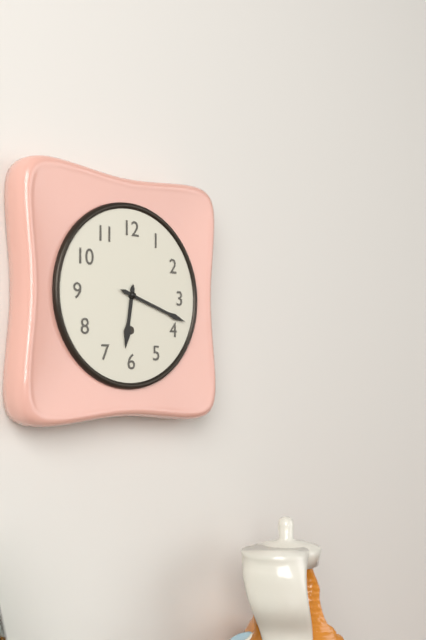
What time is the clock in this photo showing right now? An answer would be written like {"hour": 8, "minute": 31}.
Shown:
{"hour": 6, "minute": 18}
